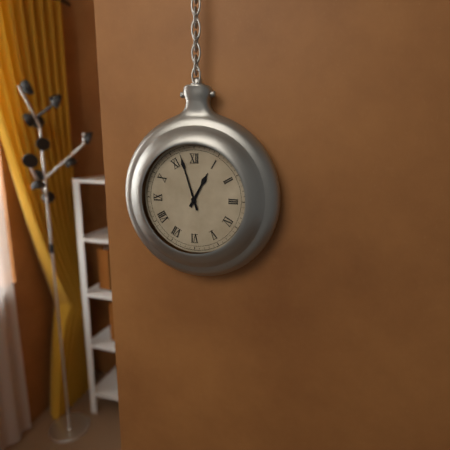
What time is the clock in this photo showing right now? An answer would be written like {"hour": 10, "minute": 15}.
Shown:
{"hour": 12, "minute": 57}
